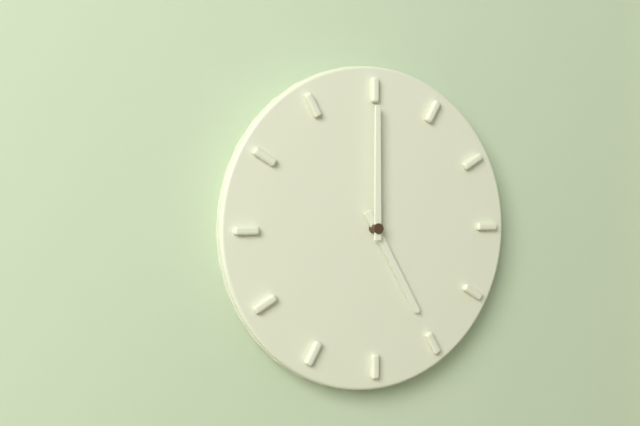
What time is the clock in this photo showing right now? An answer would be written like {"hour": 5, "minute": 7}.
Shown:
{"hour": 5, "minute": 0}
